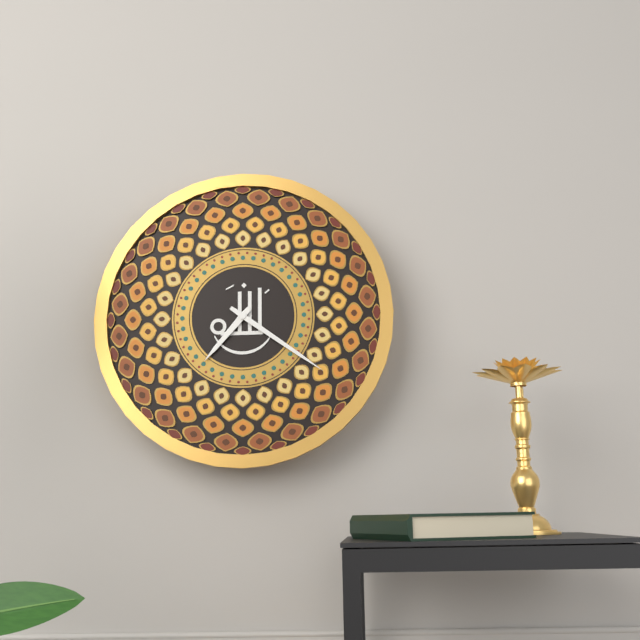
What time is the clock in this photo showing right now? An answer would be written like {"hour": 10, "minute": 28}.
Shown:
{"hour": 7, "minute": 21}
